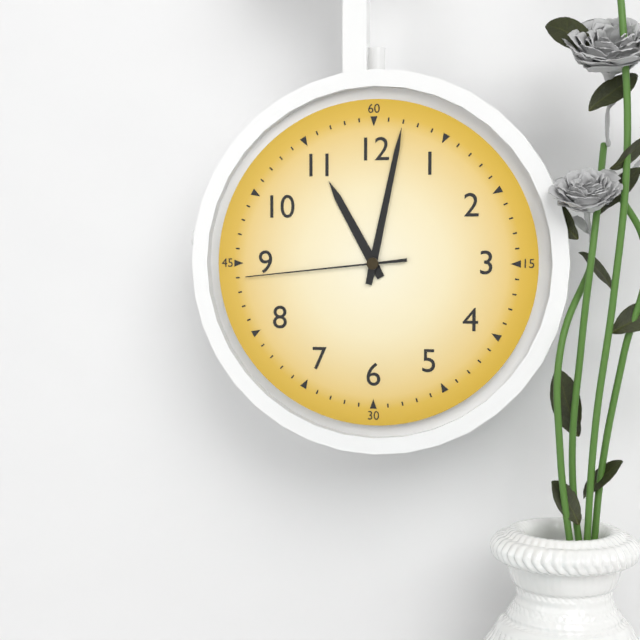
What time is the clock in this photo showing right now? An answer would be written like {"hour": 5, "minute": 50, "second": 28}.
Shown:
{"hour": 11, "minute": 2, "second": 44}
